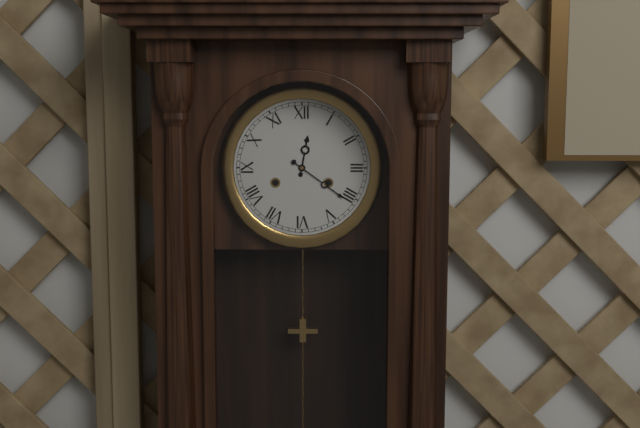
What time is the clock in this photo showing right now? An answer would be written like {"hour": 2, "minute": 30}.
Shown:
{"hour": 12, "minute": 21}
